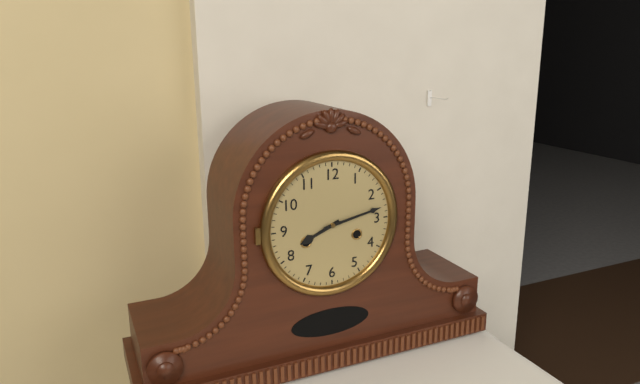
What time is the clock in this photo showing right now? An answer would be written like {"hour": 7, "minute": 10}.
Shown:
{"hour": 8, "minute": 13}
